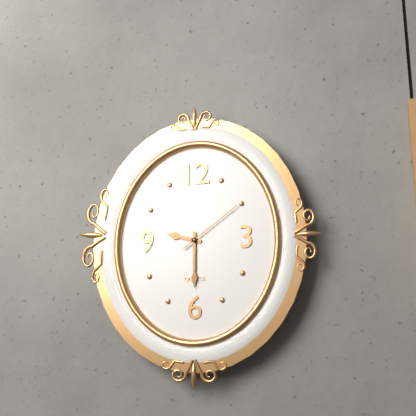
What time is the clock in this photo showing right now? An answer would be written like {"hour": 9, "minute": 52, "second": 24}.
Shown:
{"hour": 9, "minute": 30, "second": 9}
